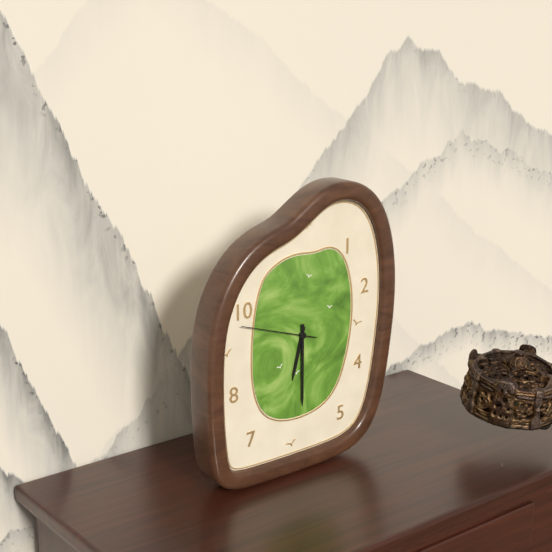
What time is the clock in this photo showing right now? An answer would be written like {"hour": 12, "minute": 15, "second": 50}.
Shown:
{"hour": 6, "minute": 30, "second": 48}
